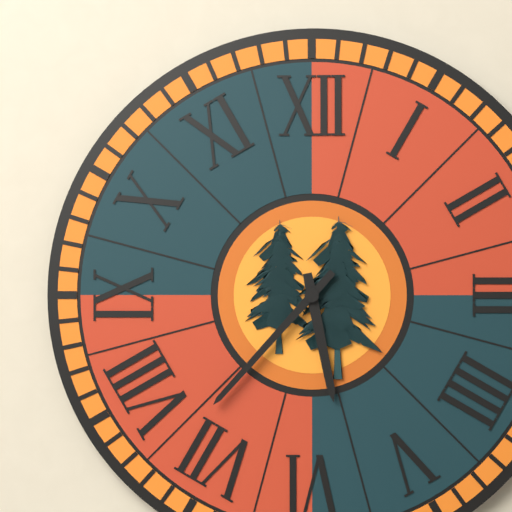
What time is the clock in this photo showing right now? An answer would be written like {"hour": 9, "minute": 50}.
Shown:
{"hour": 5, "minute": 37}
